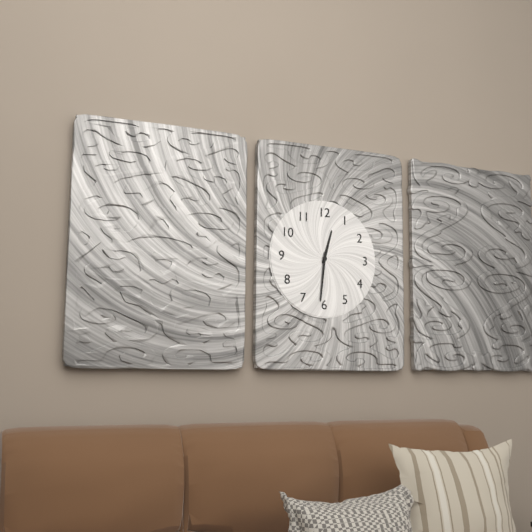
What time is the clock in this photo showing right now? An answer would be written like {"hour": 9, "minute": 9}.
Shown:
{"hour": 12, "minute": 31}
